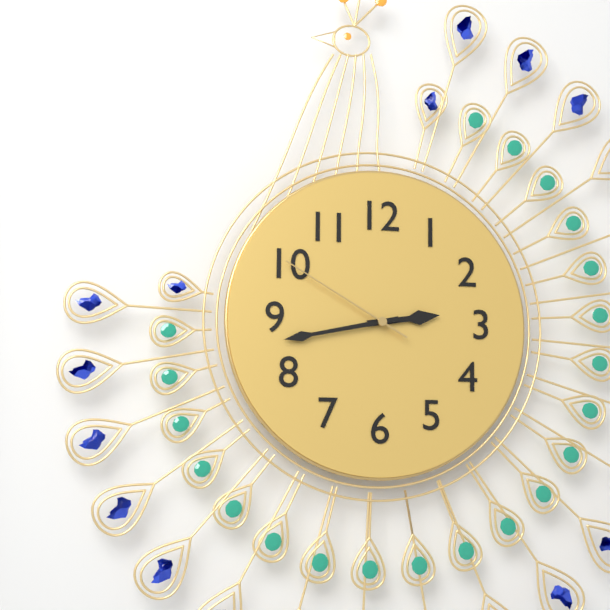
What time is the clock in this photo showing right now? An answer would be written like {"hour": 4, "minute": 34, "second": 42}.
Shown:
{"hour": 2, "minute": 43, "second": 50}
